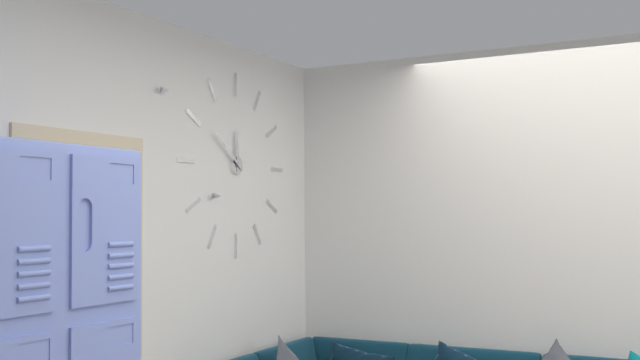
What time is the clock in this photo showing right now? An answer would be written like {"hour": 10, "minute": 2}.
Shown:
{"hour": 11, "minute": 51}
